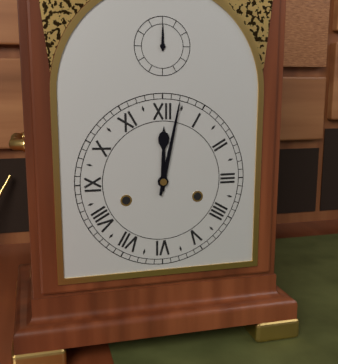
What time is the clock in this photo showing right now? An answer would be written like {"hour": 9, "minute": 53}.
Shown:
{"hour": 12, "minute": 2}
